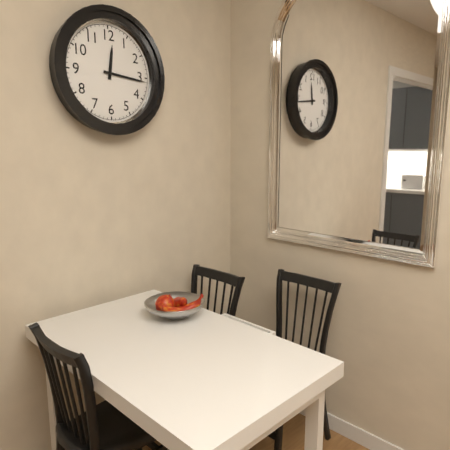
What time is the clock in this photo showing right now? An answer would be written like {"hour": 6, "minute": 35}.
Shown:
{"hour": 12, "minute": 16}
